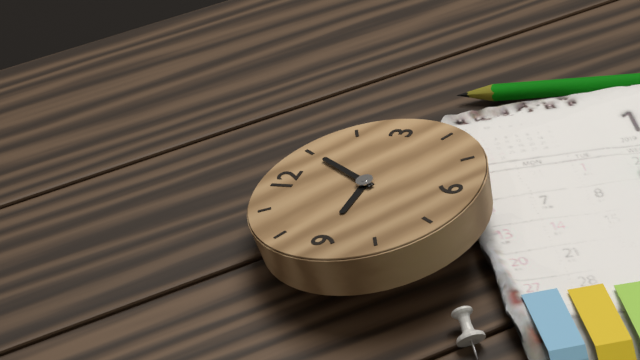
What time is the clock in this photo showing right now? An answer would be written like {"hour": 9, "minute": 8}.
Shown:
{"hour": 9, "minute": 5}
